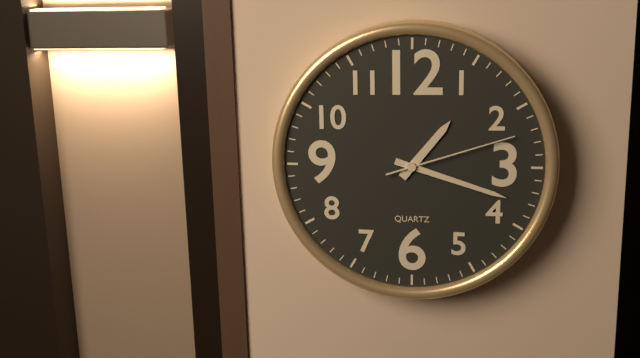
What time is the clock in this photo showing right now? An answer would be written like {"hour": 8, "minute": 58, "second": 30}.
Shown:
{"hour": 1, "minute": 18, "second": 12}
